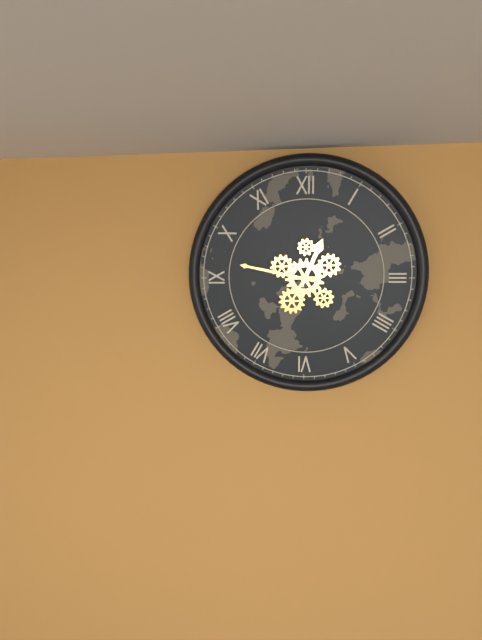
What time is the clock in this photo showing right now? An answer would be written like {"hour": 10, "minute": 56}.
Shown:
{"hour": 12, "minute": 47}
